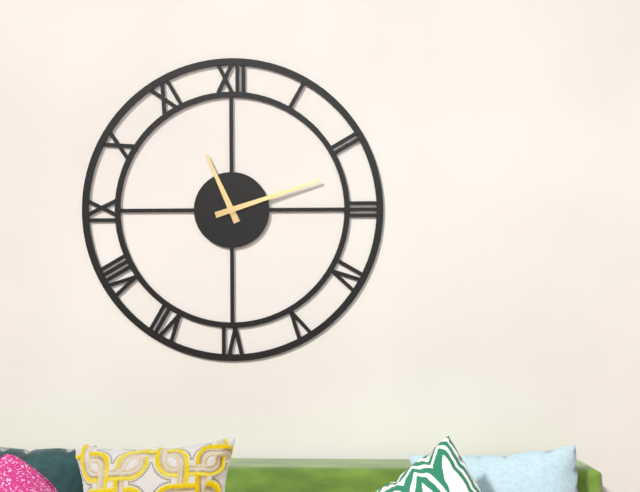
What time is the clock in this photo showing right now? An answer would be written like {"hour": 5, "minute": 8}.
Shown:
{"hour": 11, "minute": 12}
